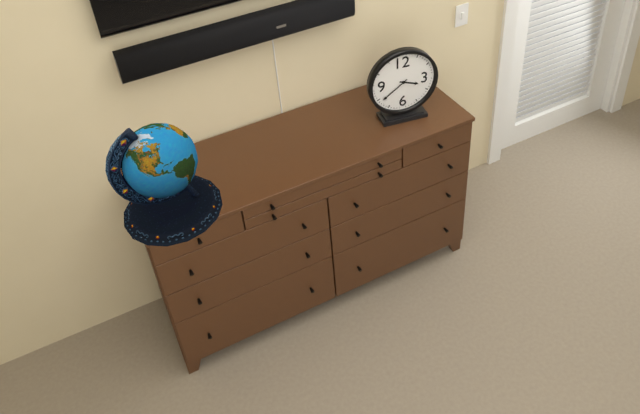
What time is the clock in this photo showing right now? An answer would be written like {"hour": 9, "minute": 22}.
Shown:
{"hour": 3, "minute": 39}
